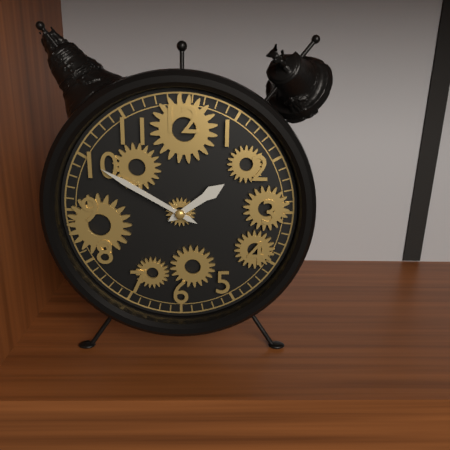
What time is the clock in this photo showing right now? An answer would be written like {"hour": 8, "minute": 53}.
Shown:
{"hour": 1, "minute": 50}
